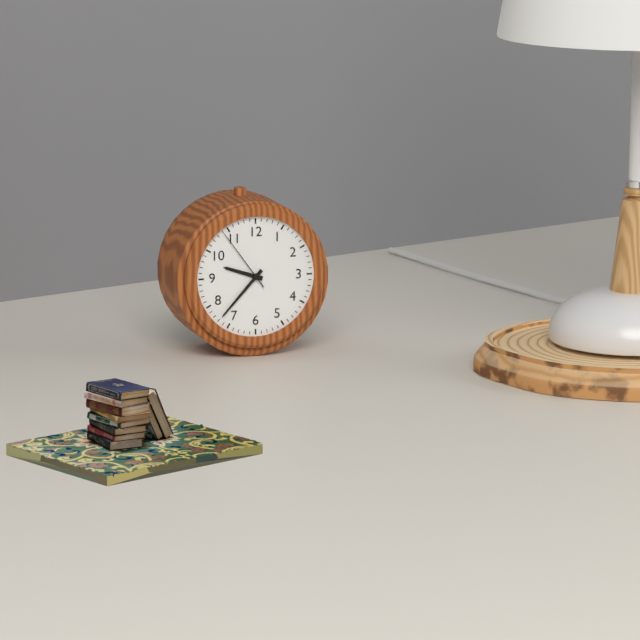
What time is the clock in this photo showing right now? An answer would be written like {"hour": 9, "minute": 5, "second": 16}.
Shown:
{"hour": 9, "minute": 37, "second": 54}
